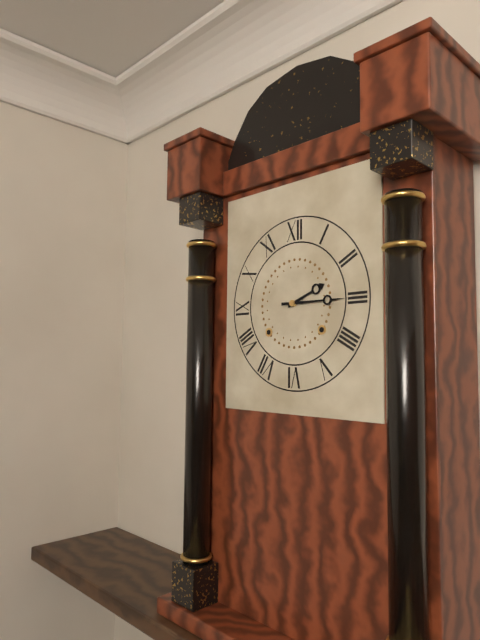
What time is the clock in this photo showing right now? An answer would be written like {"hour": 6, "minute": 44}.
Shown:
{"hour": 2, "minute": 15}
